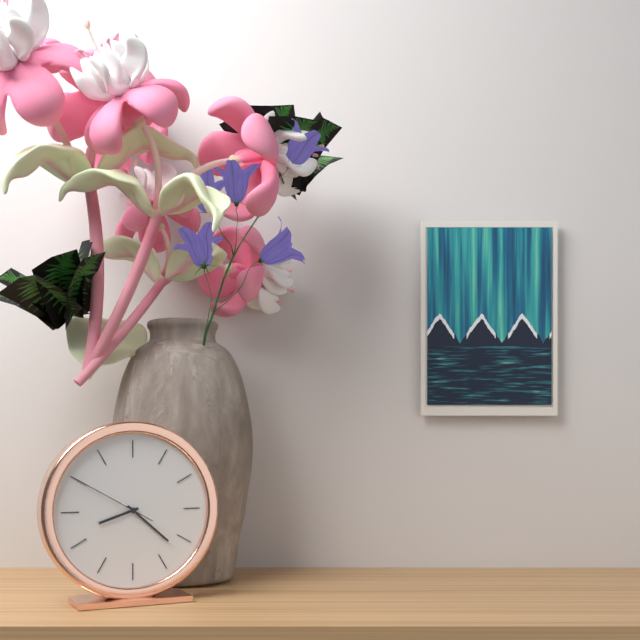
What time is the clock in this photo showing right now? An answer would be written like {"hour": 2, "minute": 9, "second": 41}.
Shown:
{"hour": 8, "minute": 22, "second": 50}
